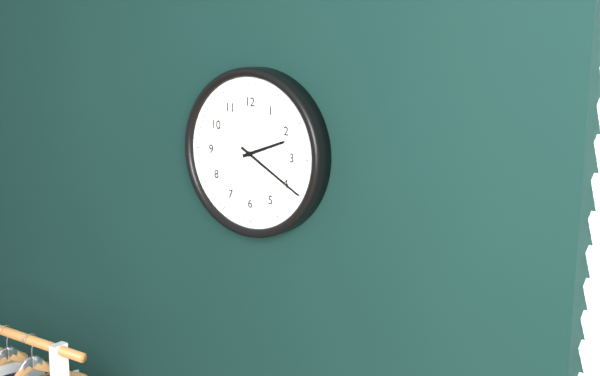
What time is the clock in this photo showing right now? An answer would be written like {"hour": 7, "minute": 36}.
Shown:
{"hour": 2, "minute": 20}
